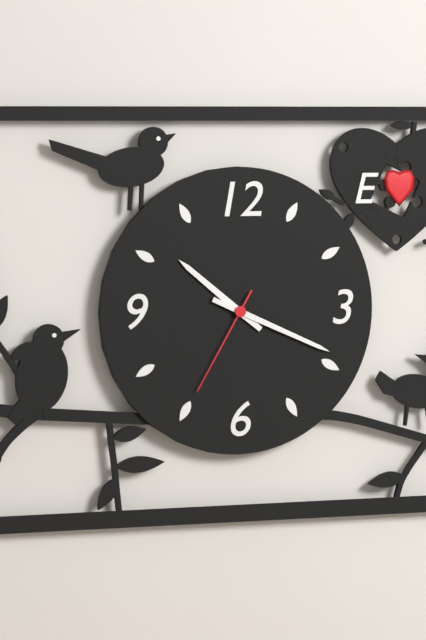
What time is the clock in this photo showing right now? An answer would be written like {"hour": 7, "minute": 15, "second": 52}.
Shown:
{"hour": 10, "minute": 19, "second": 35}
